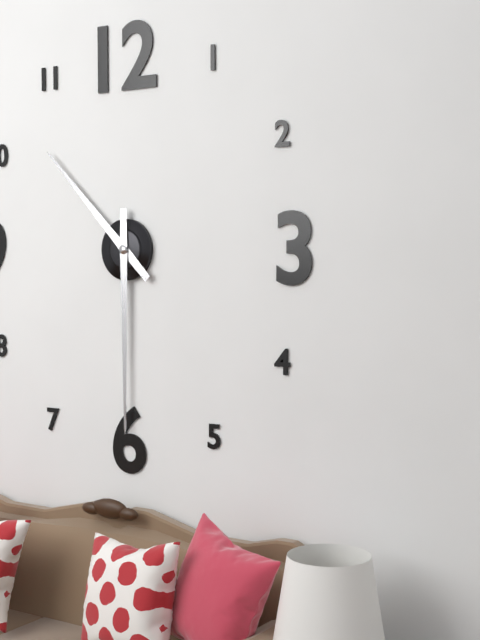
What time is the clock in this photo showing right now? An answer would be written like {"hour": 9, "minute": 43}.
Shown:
{"hour": 10, "minute": 30}
